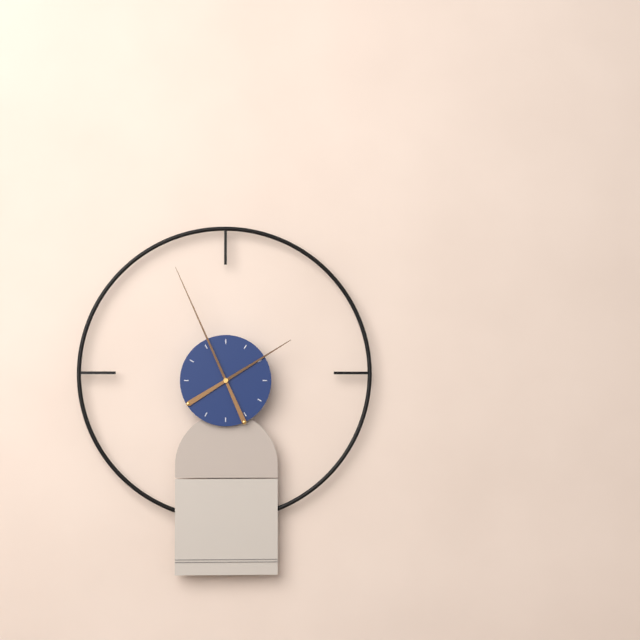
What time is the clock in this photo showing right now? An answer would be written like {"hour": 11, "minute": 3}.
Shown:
{"hour": 1, "minute": 56}
